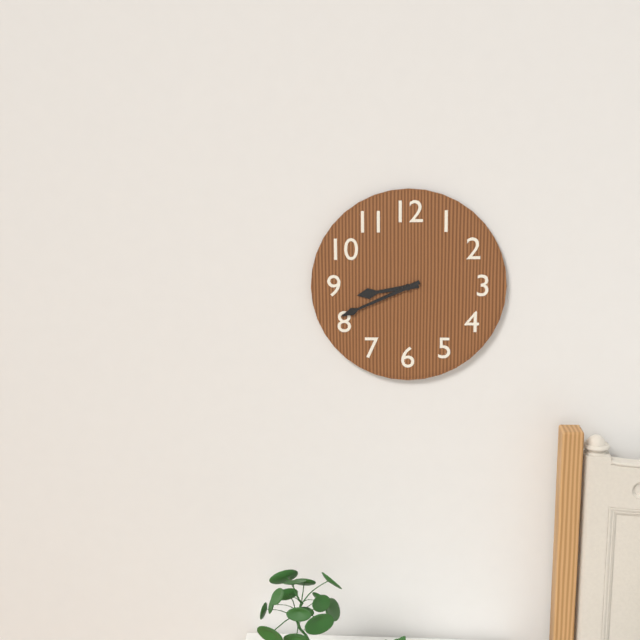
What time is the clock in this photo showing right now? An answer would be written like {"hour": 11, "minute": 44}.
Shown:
{"hour": 8, "minute": 41}
